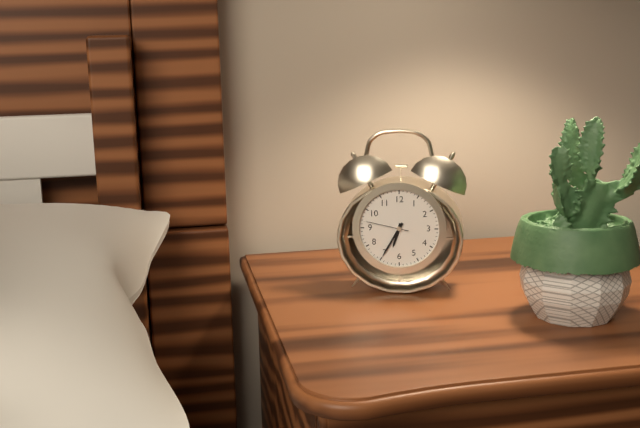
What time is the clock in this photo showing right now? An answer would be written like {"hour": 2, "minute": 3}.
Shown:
{"hour": 6, "minute": 35}
